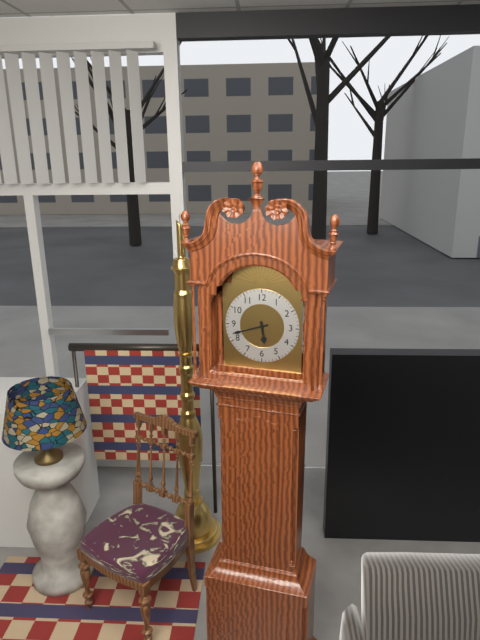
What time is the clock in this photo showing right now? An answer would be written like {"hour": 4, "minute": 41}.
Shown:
{"hour": 5, "minute": 42}
